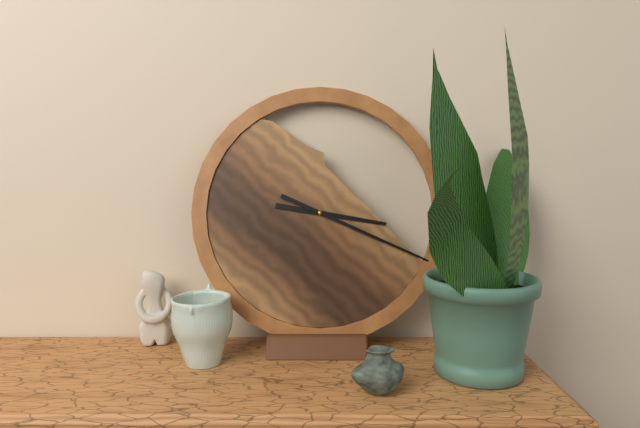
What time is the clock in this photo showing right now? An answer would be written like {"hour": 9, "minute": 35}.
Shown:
{"hour": 3, "minute": 19}
